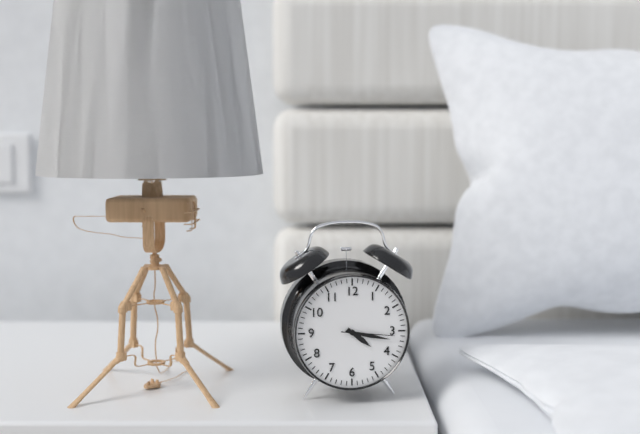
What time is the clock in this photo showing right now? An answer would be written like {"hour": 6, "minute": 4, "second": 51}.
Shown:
{"hour": 4, "minute": 17, "second": 16}
